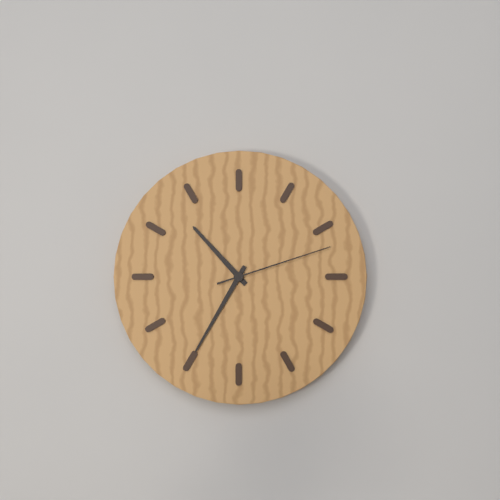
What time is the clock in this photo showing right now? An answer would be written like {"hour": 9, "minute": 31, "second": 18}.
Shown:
{"hour": 10, "minute": 35, "second": 12}
